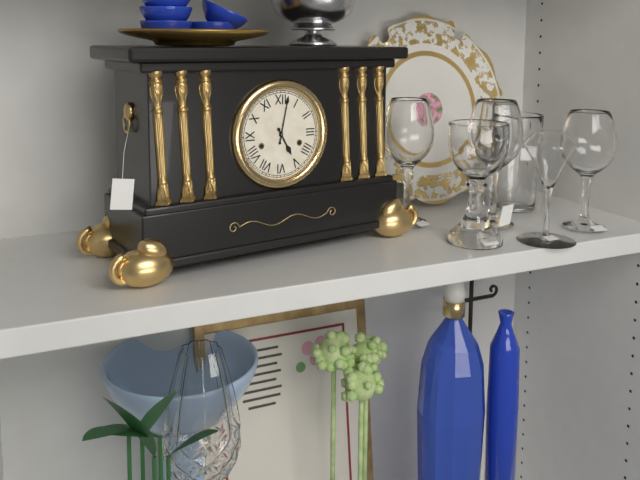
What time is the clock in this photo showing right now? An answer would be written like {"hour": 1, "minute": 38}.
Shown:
{"hour": 5, "minute": 2}
